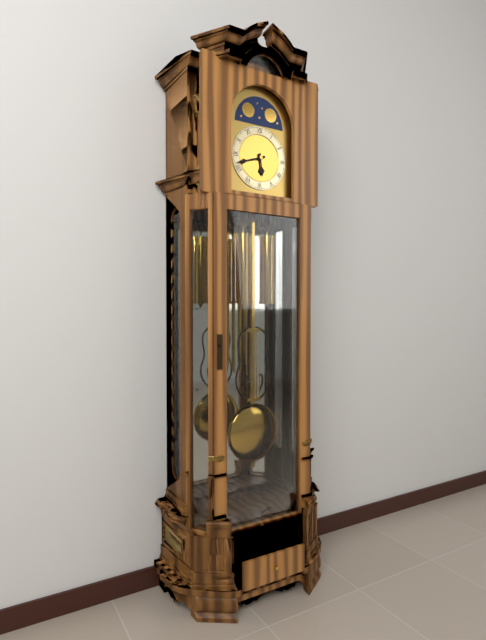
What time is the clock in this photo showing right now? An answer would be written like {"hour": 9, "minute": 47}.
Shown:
{"hour": 5, "minute": 42}
